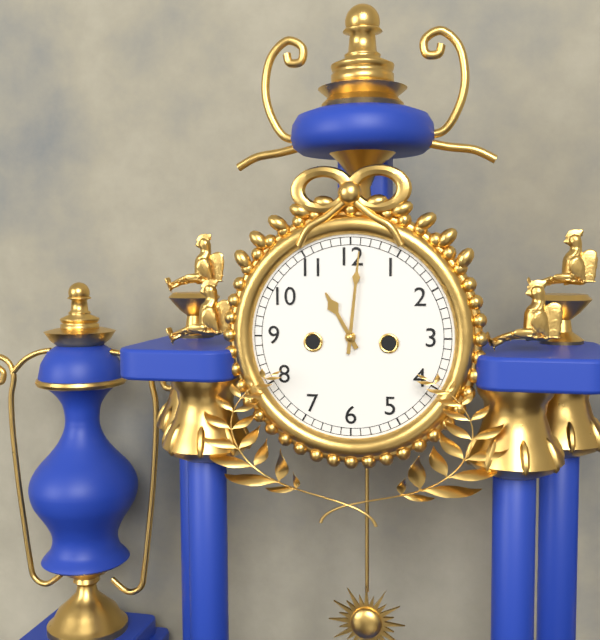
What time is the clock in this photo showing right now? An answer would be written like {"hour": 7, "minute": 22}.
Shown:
{"hour": 11, "minute": 1}
